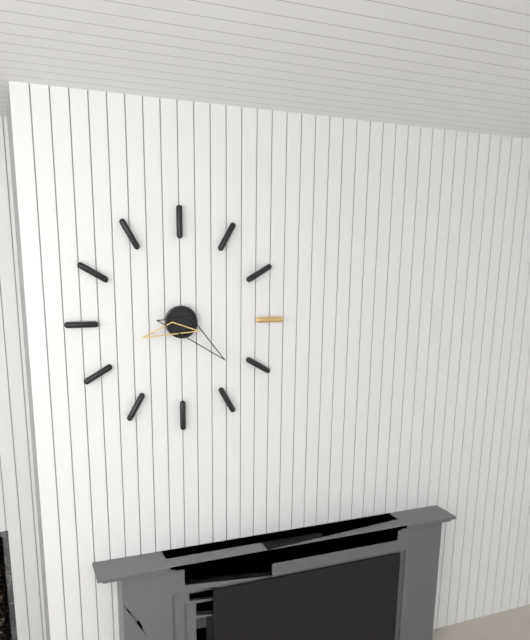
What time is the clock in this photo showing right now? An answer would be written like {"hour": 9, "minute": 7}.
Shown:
{"hour": 8, "minute": 22}
